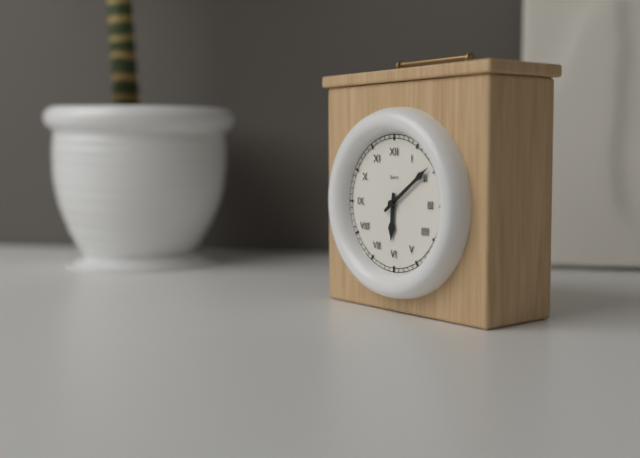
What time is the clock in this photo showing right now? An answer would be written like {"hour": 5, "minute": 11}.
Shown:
{"hour": 6, "minute": 9}
